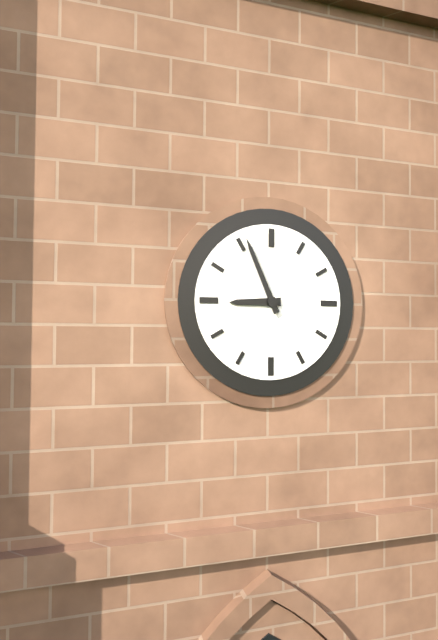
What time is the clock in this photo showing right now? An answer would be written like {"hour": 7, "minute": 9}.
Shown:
{"hour": 8, "minute": 56}
